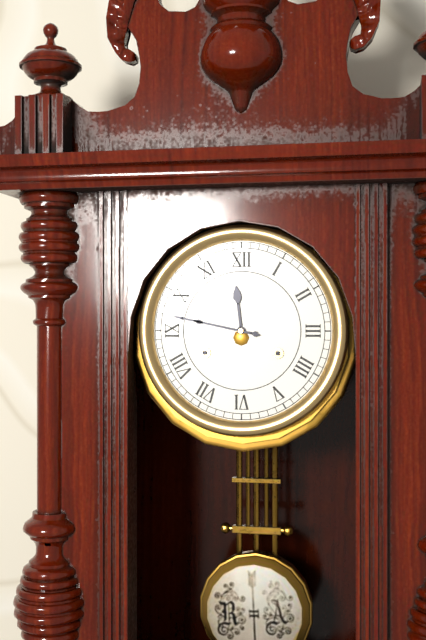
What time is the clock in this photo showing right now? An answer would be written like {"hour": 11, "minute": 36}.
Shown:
{"hour": 11, "minute": 47}
